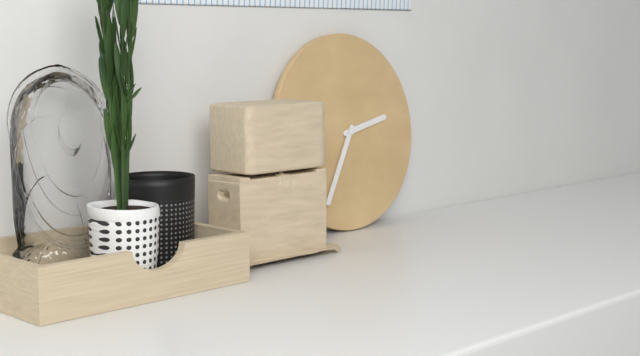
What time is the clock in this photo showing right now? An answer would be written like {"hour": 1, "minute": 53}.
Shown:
{"hour": 2, "minute": 35}
